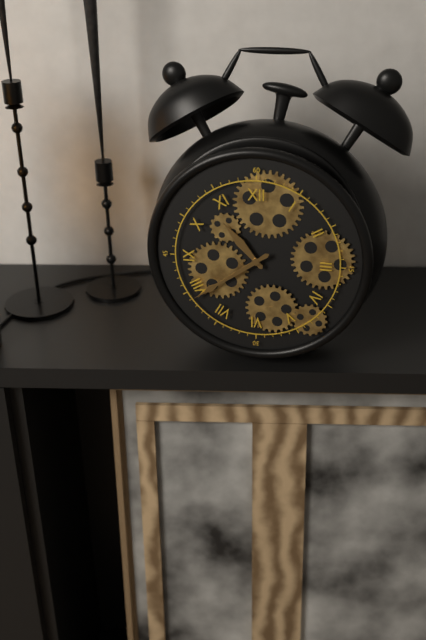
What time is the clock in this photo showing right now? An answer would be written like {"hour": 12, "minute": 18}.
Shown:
{"hour": 10, "minute": 39}
